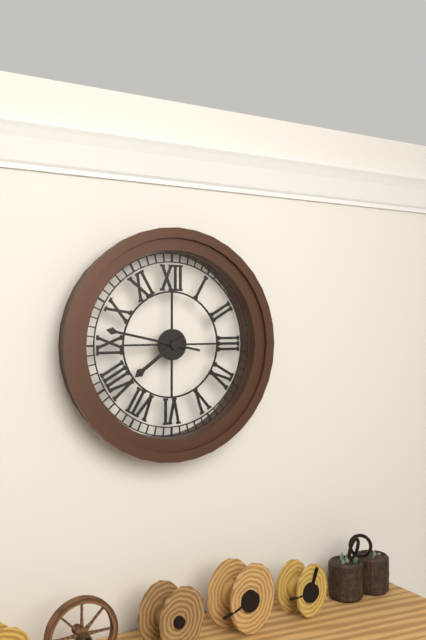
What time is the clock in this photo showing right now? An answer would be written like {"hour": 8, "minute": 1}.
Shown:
{"hour": 7, "minute": 47}
